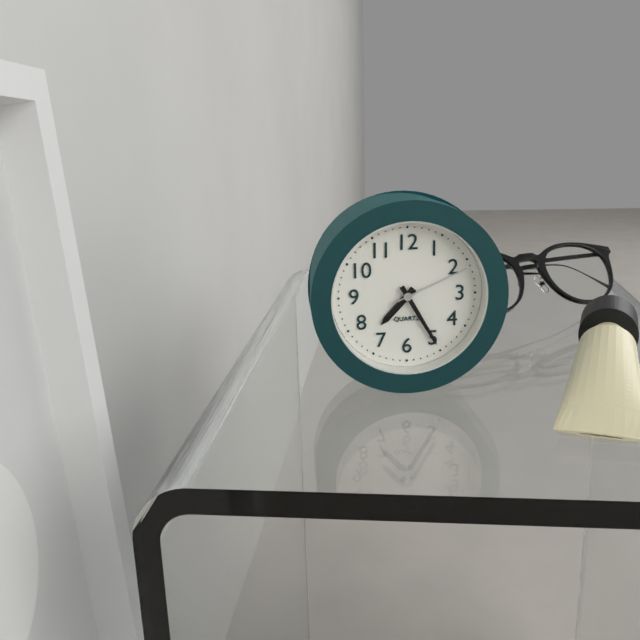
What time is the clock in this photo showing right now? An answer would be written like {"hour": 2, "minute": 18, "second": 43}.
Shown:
{"hour": 7, "minute": 25, "second": 11}
